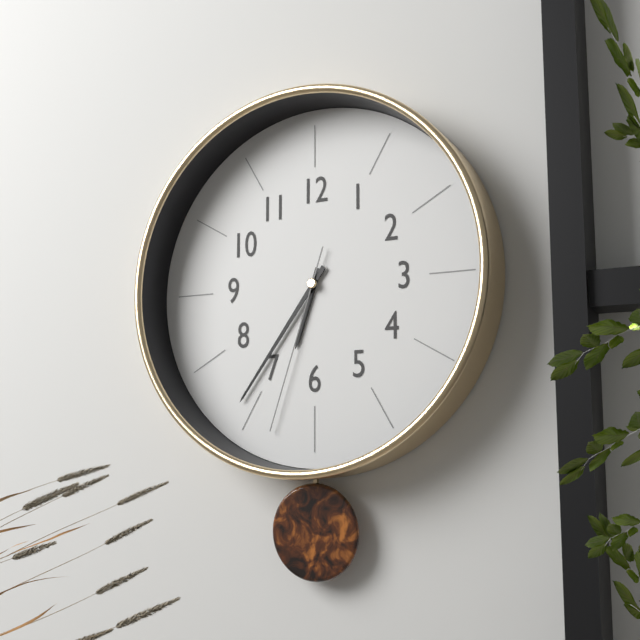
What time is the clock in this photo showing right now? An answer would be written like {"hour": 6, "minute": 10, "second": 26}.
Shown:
{"hour": 6, "minute": 36, "second": 33}
